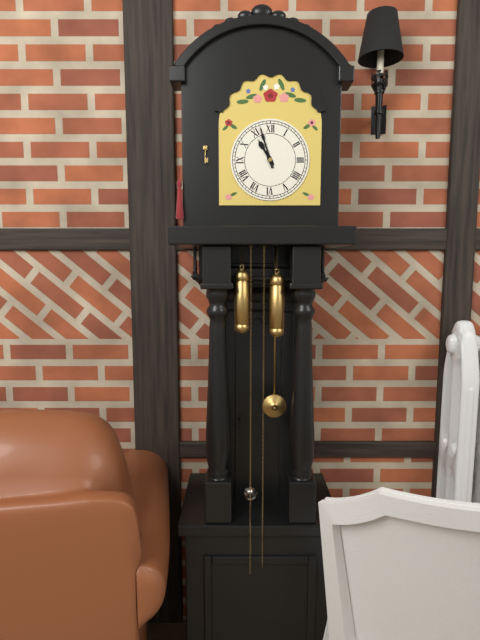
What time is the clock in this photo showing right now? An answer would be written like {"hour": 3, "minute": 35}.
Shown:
{"hour": 10, "minute": 57}
